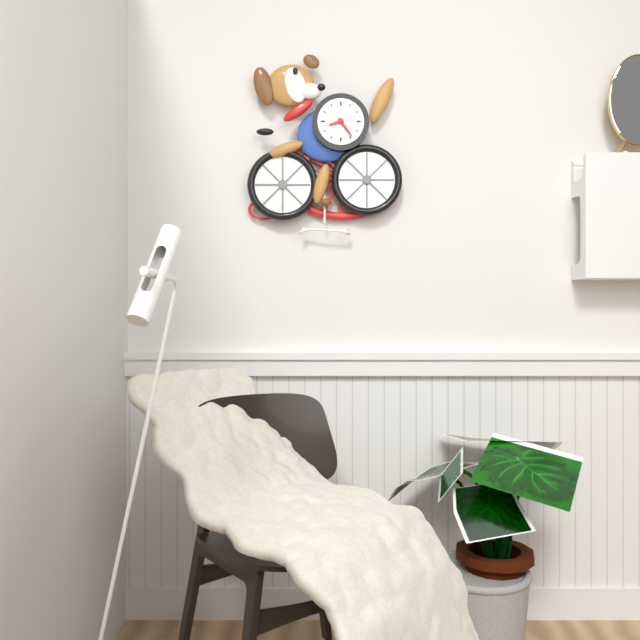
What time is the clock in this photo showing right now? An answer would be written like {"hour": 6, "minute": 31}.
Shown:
{"hour": 8, "minute": 24}
